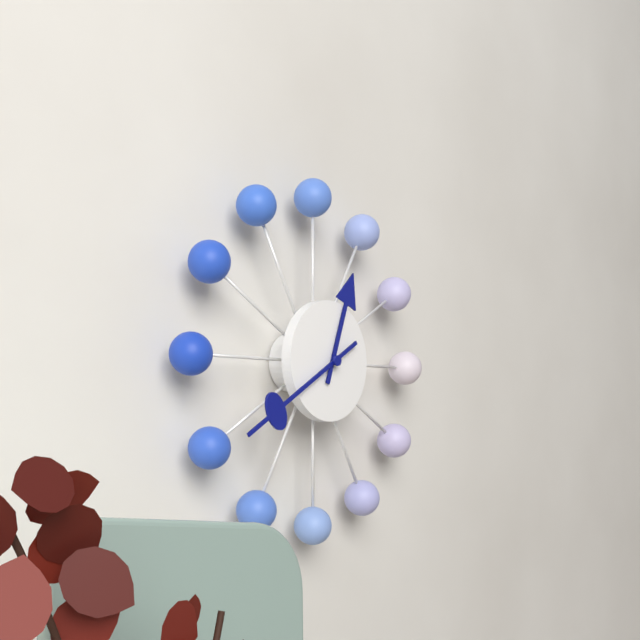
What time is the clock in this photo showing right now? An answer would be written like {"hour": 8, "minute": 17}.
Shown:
{"hour": 12, "minute": 40}
